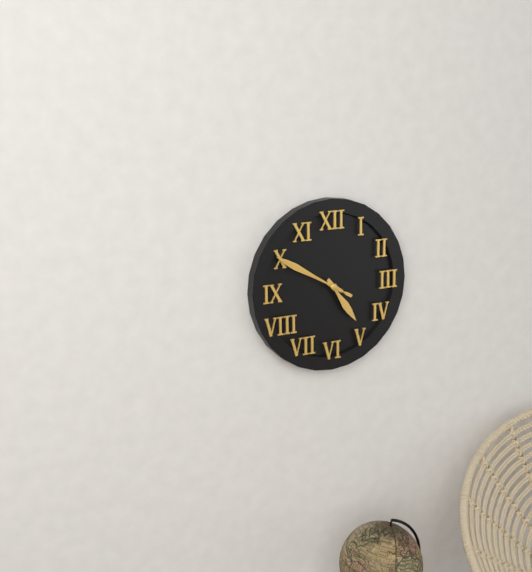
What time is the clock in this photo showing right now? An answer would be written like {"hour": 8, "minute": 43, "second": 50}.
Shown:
{"hour": 4, "minute": 50, "second": 50}
